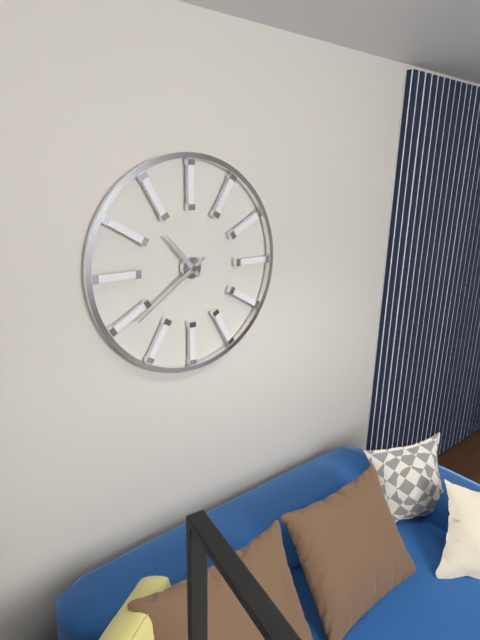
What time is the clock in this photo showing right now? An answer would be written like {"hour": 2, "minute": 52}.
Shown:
{"hour": 10, "minute": 39}
